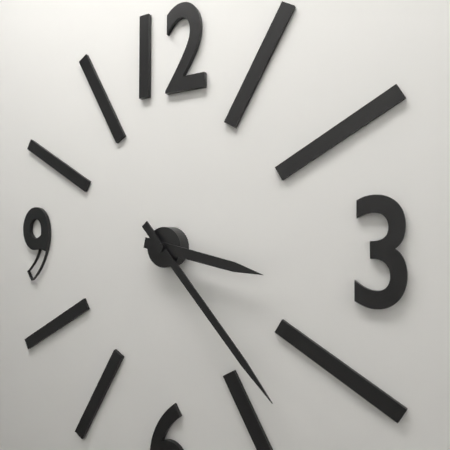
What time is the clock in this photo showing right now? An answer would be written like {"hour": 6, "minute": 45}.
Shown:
{"hour": 3, "minute": 23}
